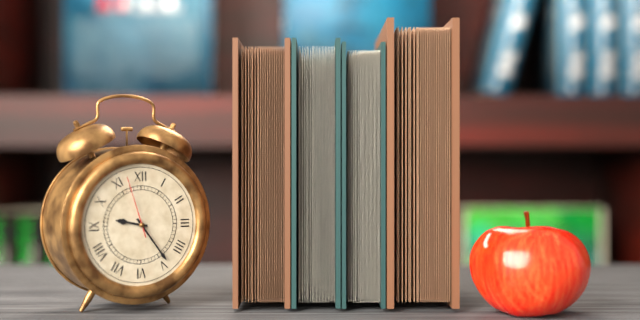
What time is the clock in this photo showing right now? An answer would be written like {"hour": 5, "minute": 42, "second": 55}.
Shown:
{"hour": 9, "minute": 24, "second": 57}
